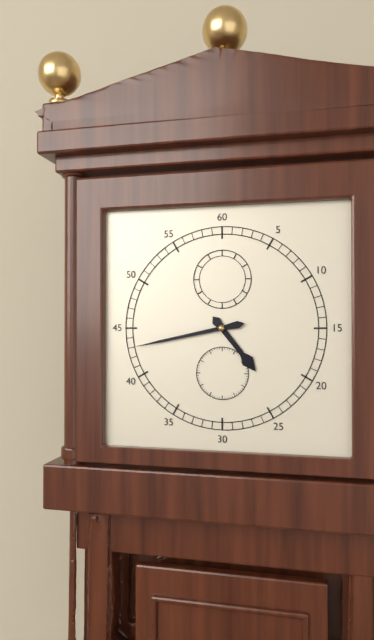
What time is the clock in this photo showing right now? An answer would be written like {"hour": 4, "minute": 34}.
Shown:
{"hour": 4, "minute": 43}
